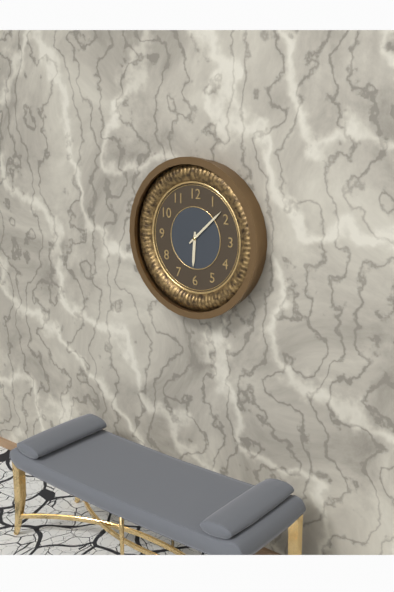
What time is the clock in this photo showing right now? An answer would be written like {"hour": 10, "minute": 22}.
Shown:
{"hour": 6, "minute": 8}
